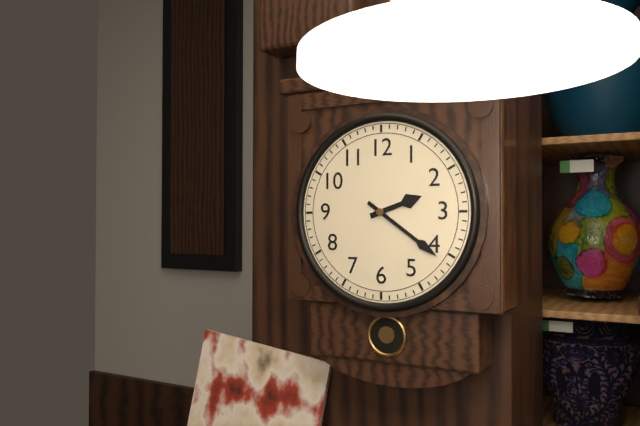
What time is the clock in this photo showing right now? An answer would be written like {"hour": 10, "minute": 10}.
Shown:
{"hour": 2, "minute": 21}
